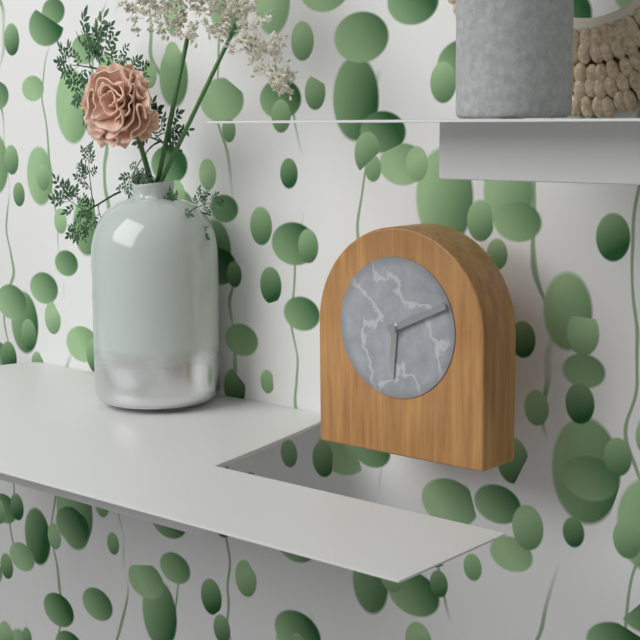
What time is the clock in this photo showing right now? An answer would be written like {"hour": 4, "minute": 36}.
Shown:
{"hour": 6, "minute": 11}
